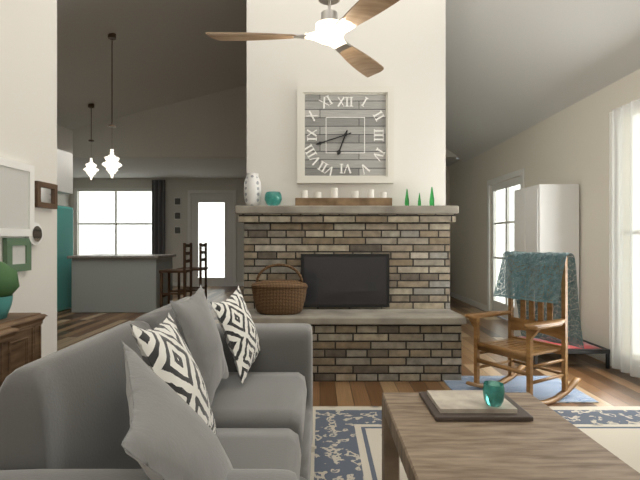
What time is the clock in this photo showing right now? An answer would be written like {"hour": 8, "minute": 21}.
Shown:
{"hour": 6, "minute": 42}
